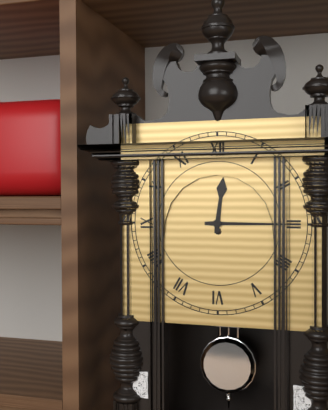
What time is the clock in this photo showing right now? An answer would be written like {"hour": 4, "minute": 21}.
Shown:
{"hour": 12, "minute": 15}
